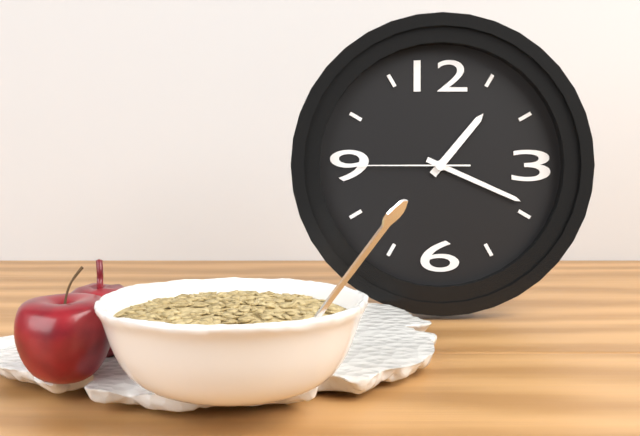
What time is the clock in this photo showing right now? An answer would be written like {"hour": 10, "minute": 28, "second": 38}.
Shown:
{"hour": 1, "minute": 19, "second": 45}
